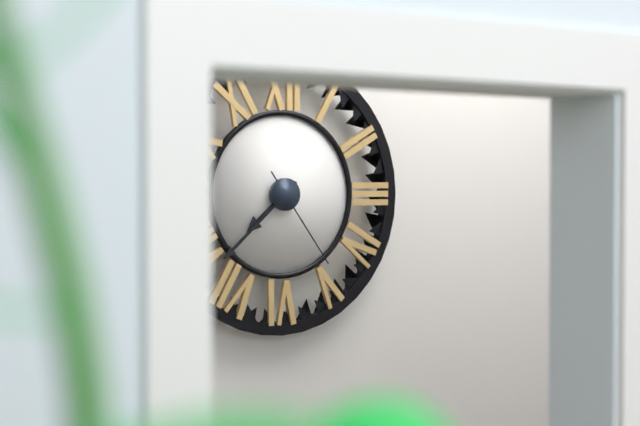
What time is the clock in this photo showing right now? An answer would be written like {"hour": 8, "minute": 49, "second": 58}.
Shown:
{"hour": 7, "minute": 38, "second": 24}
